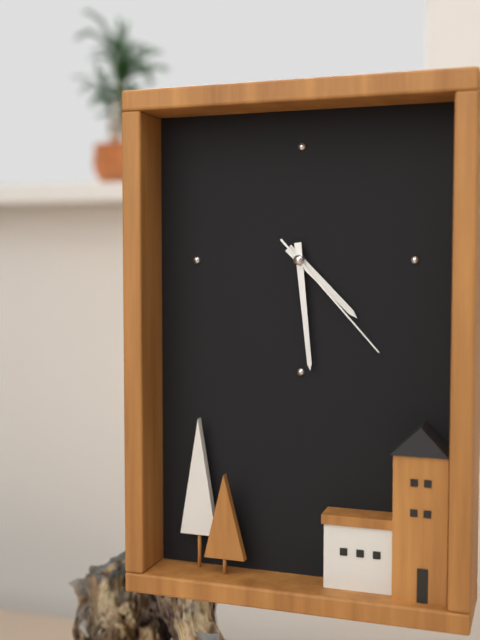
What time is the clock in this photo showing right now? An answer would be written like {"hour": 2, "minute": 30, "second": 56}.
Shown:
{"hour": 4, "minute": 29, "second": 23}
